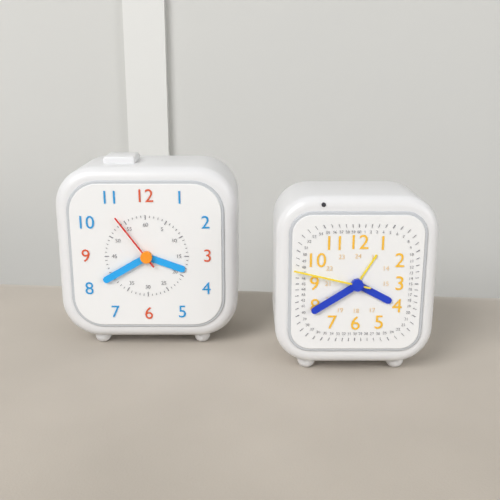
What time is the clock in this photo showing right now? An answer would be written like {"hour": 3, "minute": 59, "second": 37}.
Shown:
{"hour": 3, "minute": 40, "second": 54}
